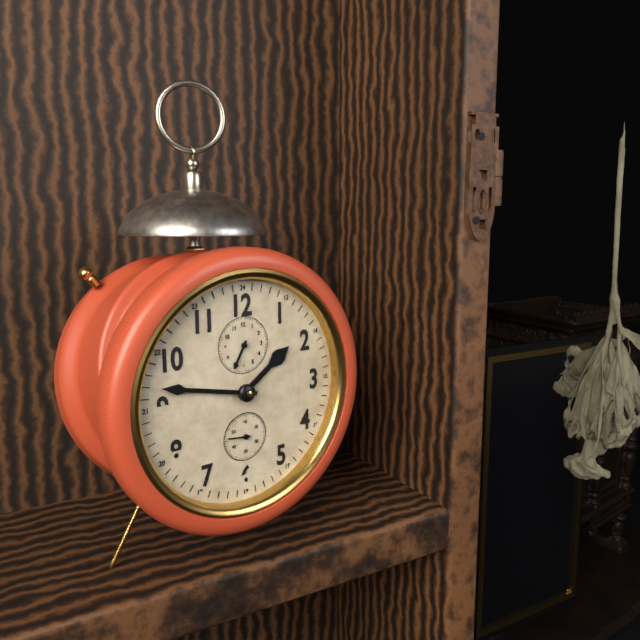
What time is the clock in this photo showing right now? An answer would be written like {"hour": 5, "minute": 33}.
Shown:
{"hour": 1, "minute": 47}
